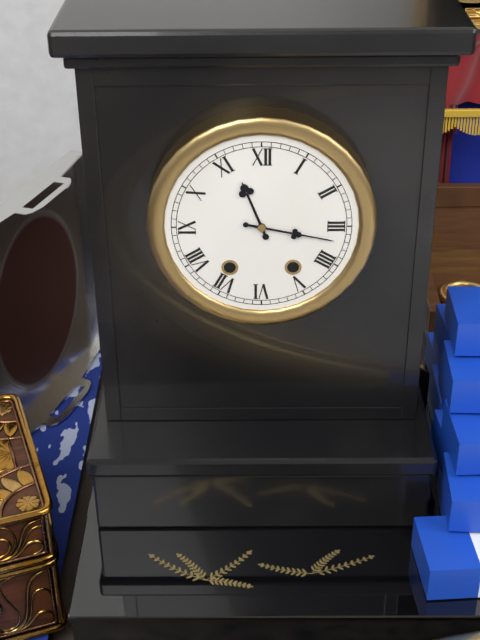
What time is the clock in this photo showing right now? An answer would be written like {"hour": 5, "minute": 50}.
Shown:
{"hour": 11, "minute": 17}
